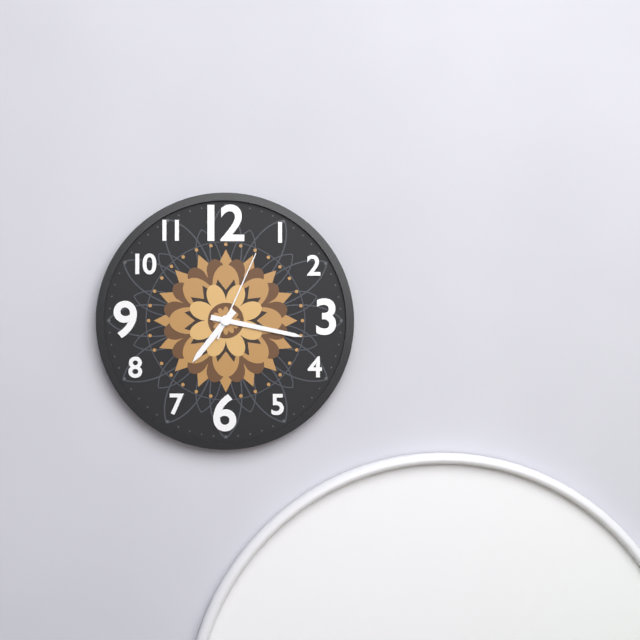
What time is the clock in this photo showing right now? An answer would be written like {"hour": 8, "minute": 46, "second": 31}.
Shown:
{"hour": 7, "minute": 17, "second": 4}
